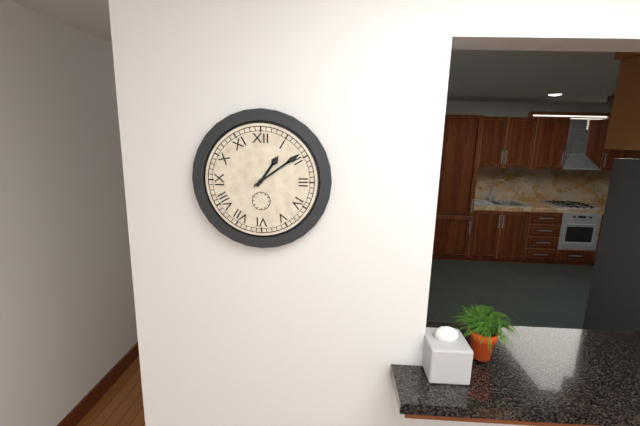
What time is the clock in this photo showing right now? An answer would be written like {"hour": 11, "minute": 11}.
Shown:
{"hour": 1, "minute": 9}
